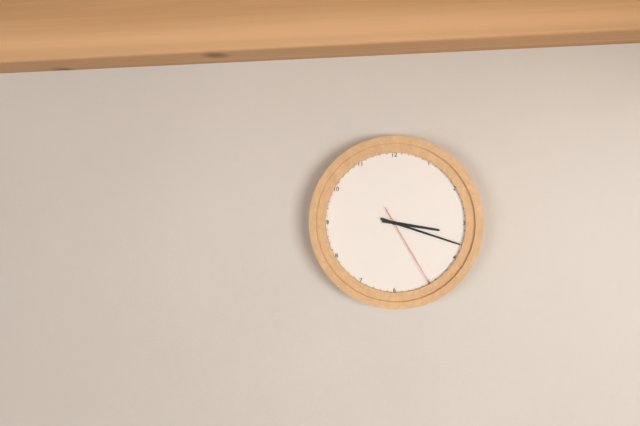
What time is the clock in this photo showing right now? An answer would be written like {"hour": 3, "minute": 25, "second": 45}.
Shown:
{"hour": 3, "minute": 18, "second": 25}
